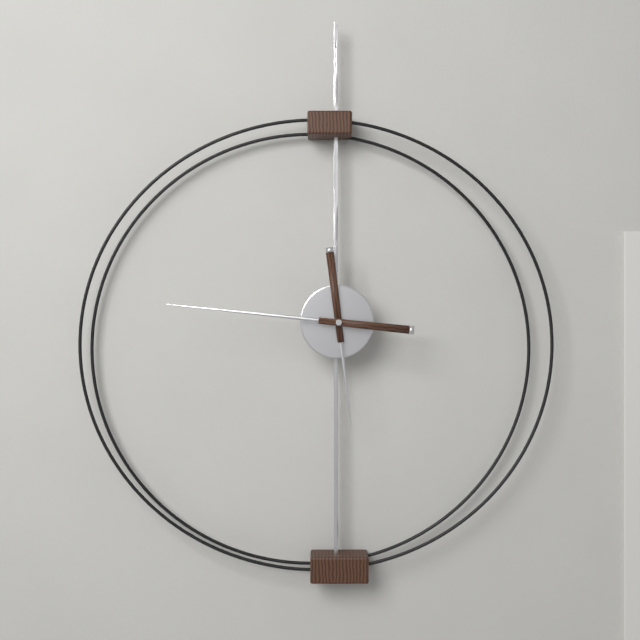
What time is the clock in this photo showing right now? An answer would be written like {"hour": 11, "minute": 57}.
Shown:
{"hour": 5, "minute": 46}
